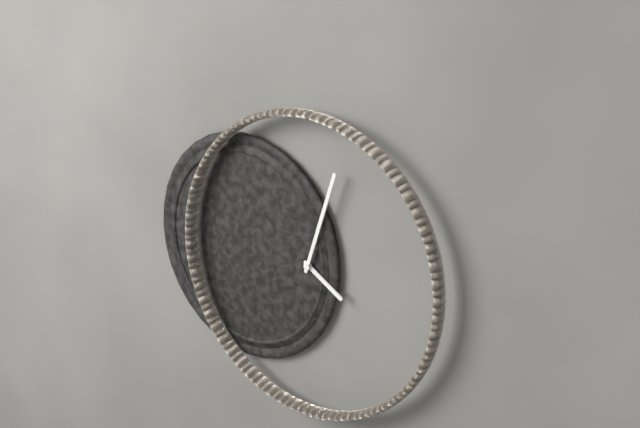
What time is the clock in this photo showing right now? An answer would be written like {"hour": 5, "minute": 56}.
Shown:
{"hour": 4, "minute": 3}
